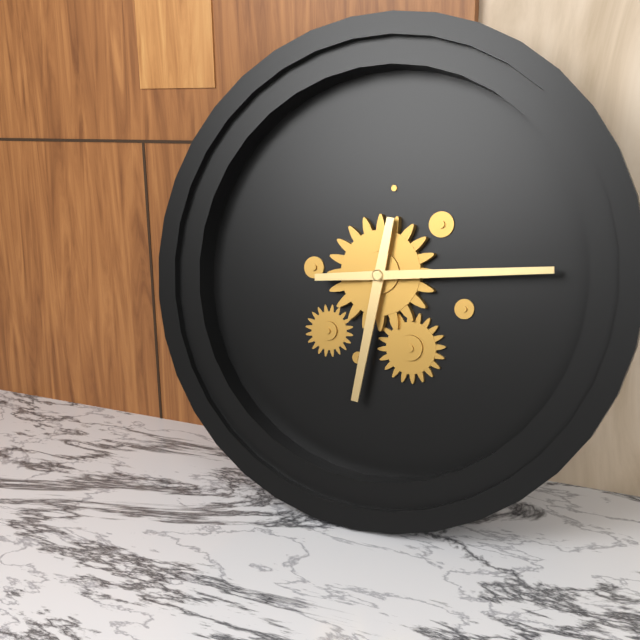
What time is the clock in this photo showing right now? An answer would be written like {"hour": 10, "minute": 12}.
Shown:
{"hour": 6, "minute": 14}
